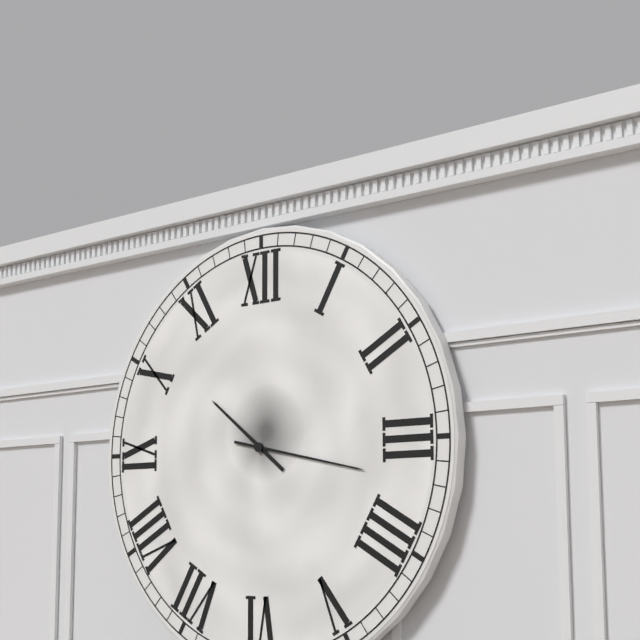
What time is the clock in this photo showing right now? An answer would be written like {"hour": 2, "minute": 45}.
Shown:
{"hour": 10, "minute": 17}
